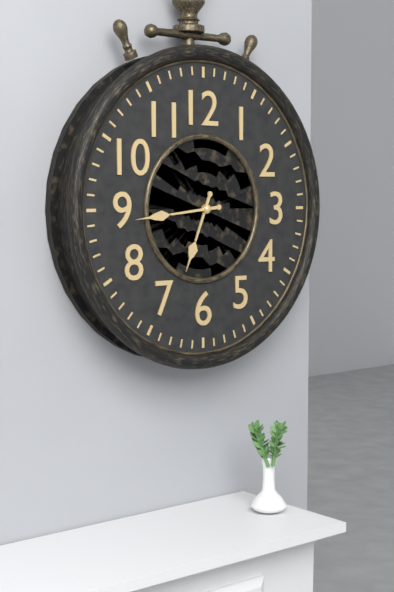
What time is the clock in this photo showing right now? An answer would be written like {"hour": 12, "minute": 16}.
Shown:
{"hour": 6, "minute": 44}
